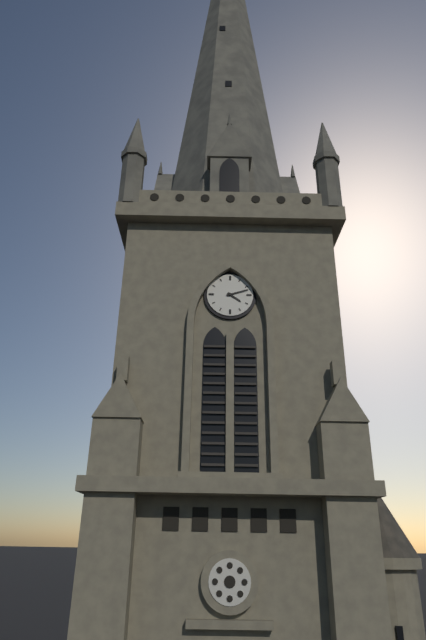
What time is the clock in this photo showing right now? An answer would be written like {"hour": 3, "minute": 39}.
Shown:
{"hour": 4, "minute": 12}
